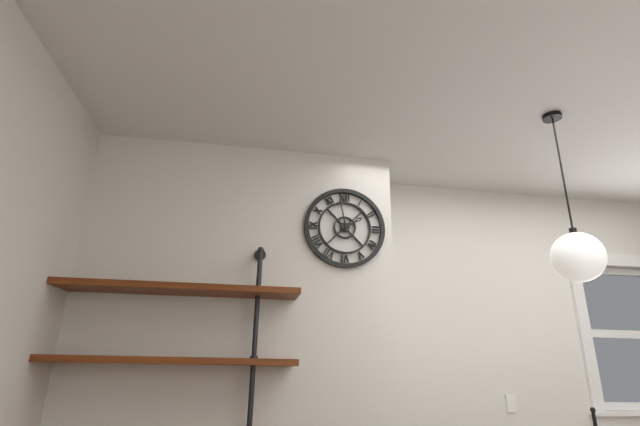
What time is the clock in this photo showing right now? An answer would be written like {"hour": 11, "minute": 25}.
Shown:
{"hour": 1, "minute": 58}
